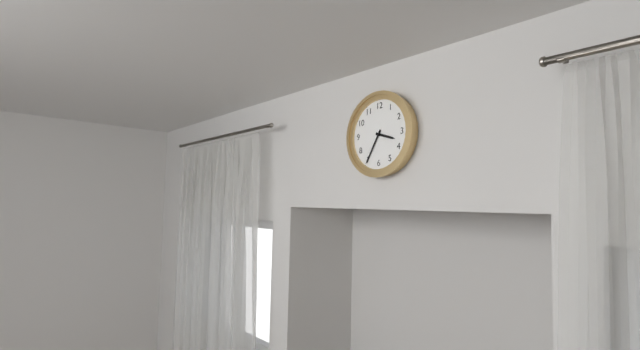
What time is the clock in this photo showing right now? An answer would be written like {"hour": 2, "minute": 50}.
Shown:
{"hour": 3, "minute": 35}
